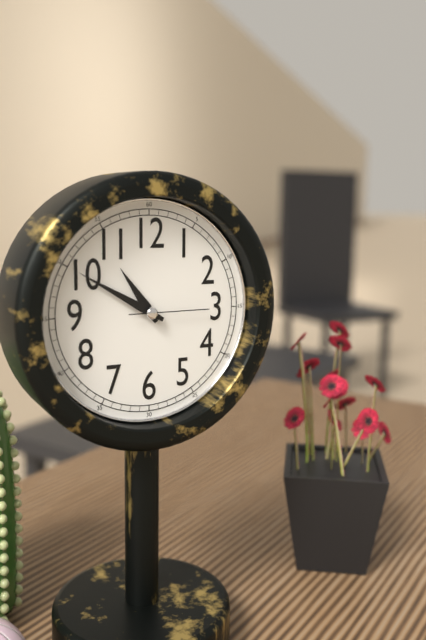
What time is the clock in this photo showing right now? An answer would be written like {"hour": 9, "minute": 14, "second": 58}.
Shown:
{"hour": 10, "minute": 50, "second": 15}
